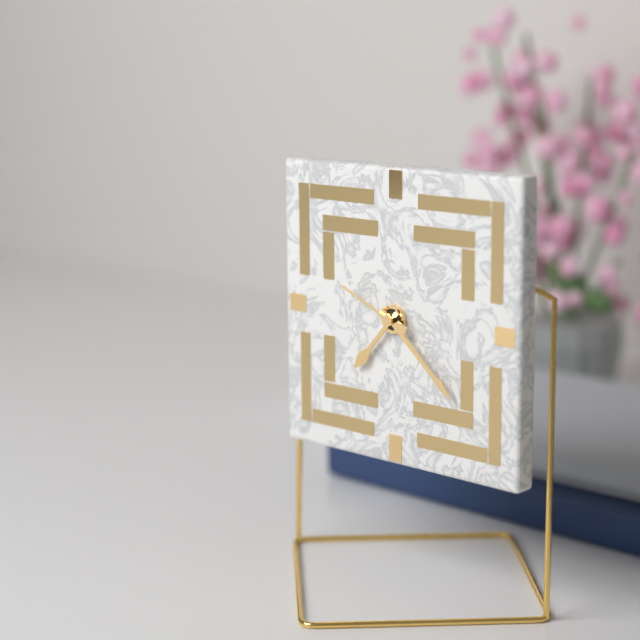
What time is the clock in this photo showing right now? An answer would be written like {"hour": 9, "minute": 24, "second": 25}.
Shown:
{"hour": 7, "minute": 22, "second": 49}
